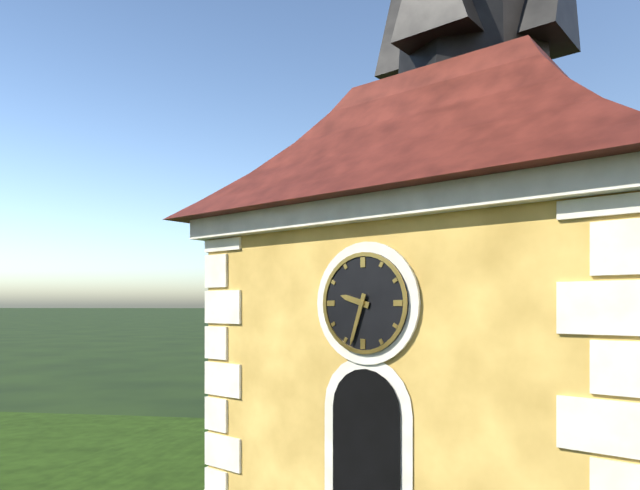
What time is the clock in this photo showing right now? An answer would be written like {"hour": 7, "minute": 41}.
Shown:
{"hour": 9, "minute": 33}
